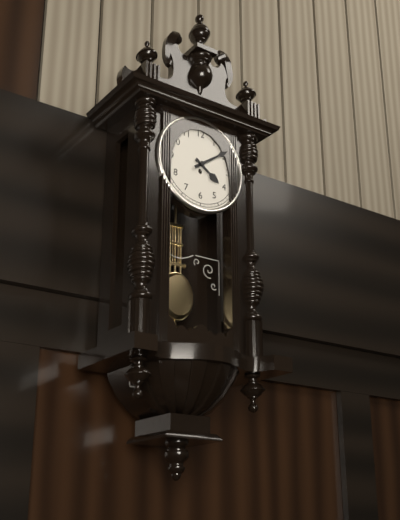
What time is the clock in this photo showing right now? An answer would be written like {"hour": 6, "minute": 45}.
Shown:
{"hour": 4, "minute": 9}
